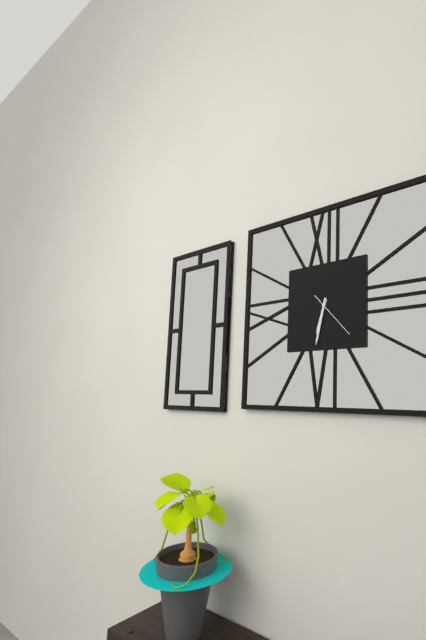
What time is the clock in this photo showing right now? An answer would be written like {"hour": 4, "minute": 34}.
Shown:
{"hour": 6, "minute": 32}
